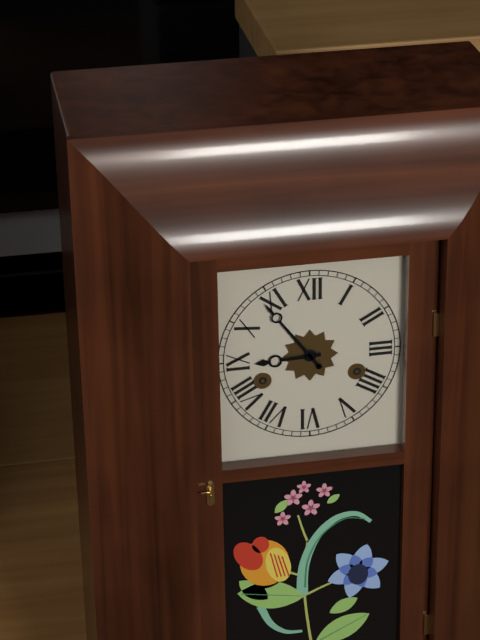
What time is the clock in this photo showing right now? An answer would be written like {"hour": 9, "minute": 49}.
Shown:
{"hour": 8, "minute": 54}
